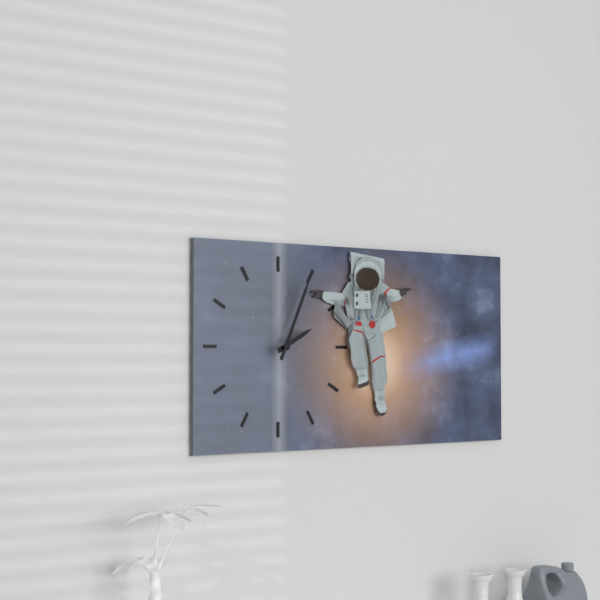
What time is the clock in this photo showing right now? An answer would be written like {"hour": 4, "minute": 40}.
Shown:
{"hour": 2, "minute": 4}
